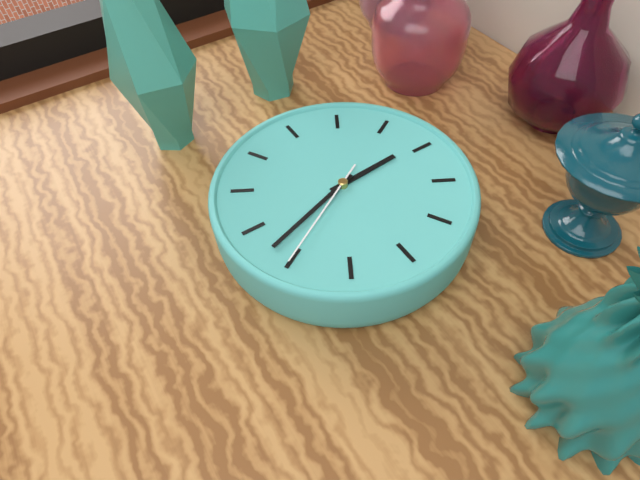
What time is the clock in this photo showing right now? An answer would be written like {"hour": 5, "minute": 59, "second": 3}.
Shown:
{"hour": 4, "minute": 52, "second": 50}
